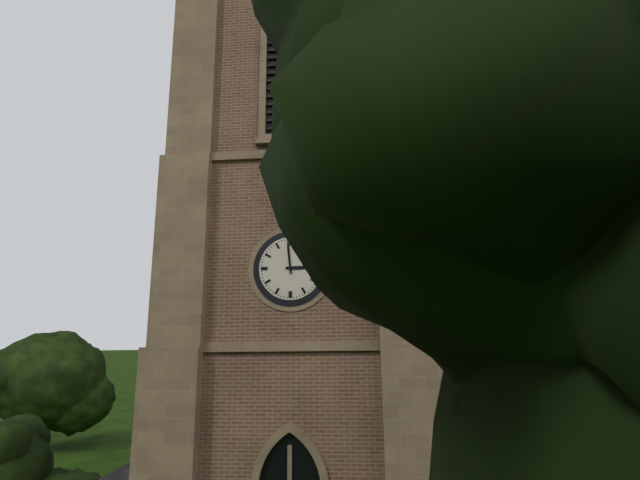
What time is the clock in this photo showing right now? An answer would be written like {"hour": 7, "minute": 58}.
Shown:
{"hour": 2, "minute": 59}
